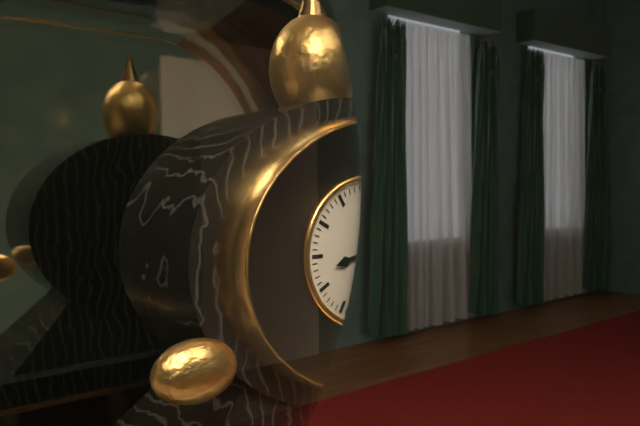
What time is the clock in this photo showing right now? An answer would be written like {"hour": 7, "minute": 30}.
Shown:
{"hour": 8, "minute": 30}
